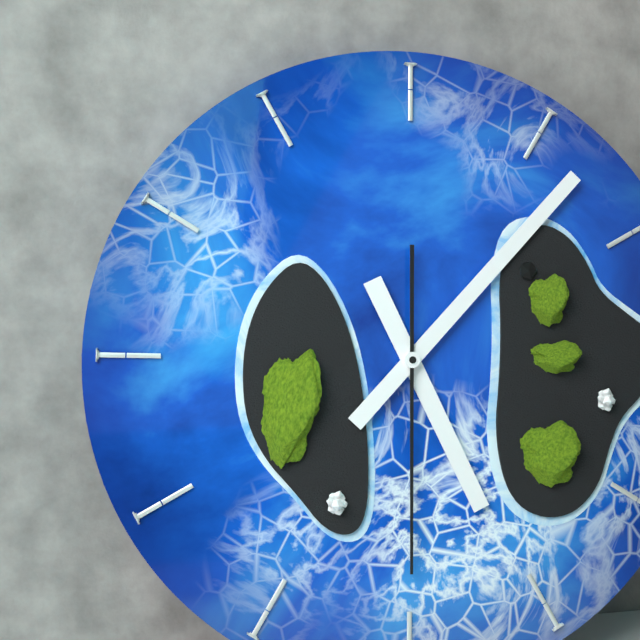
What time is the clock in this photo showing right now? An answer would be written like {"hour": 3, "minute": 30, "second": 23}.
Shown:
{"hour": 5, "minute": 7, "second": 30}
